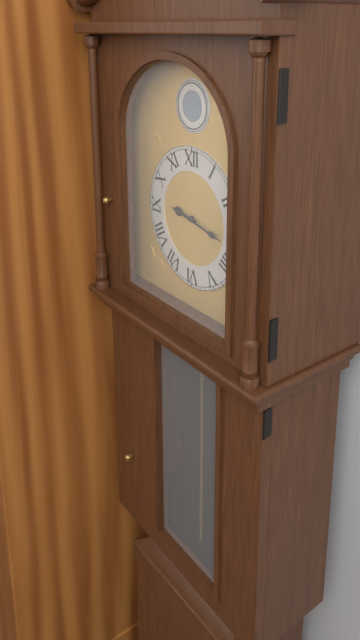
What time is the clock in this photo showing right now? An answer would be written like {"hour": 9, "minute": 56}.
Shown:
{"hour": 9, "minute": 17}
